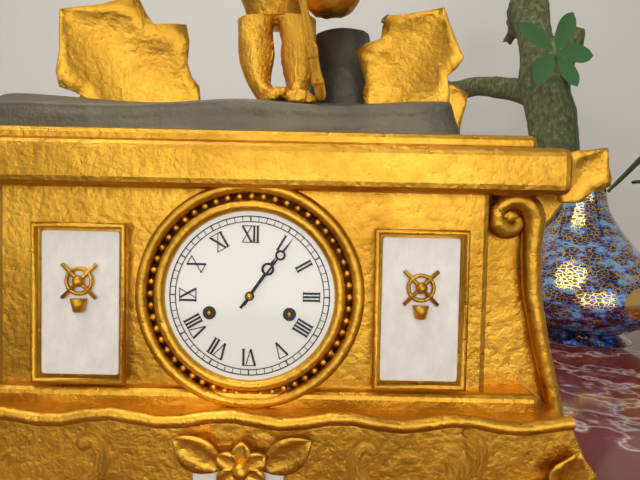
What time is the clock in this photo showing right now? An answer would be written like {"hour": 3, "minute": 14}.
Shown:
{"hour": 1, "minute": 6}
